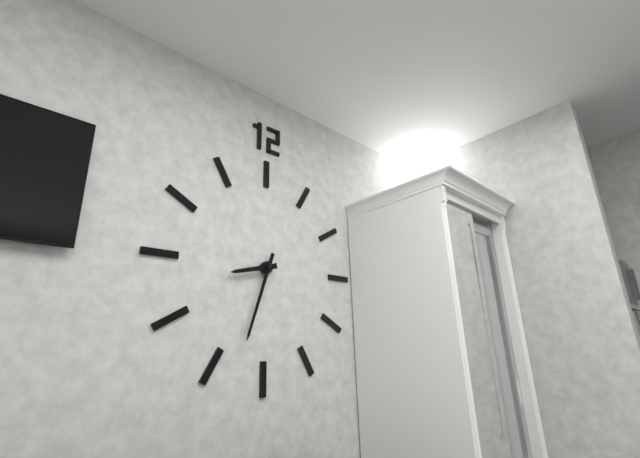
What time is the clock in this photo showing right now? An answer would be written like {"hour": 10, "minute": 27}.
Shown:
{"hour": 8, "minute": 33}
